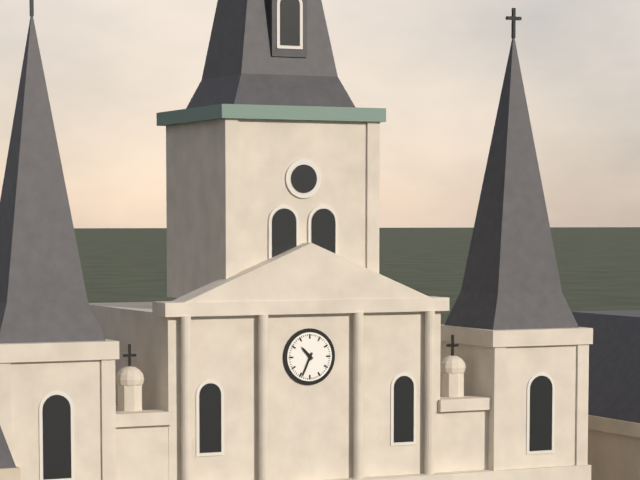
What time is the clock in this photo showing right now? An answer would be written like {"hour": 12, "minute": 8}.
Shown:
{"hour": 10, "minute": 34}
